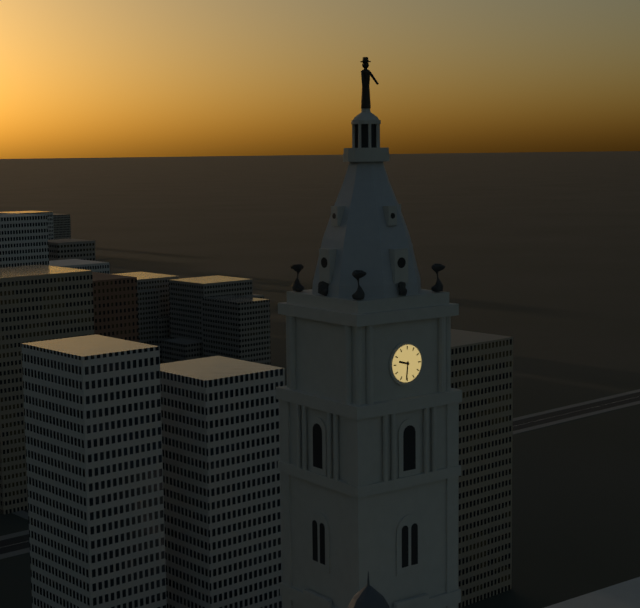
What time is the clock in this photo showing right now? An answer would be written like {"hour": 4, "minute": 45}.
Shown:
{"hour": 9, "minute": 31}
